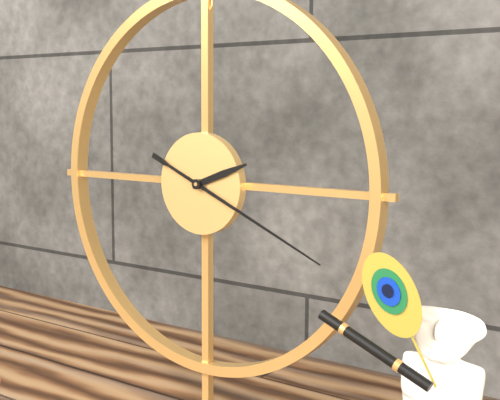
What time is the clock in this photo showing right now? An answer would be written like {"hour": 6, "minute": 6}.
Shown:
{"hour": 2, "minute": 19}
